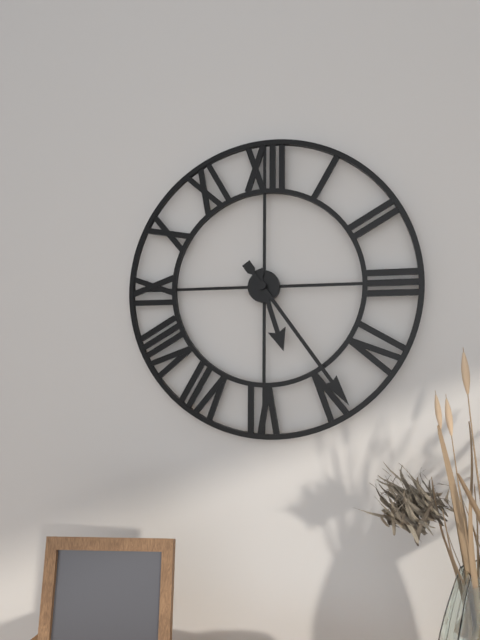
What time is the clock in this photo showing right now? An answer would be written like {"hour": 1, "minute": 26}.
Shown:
{"hour": 5, "minute": 24}
